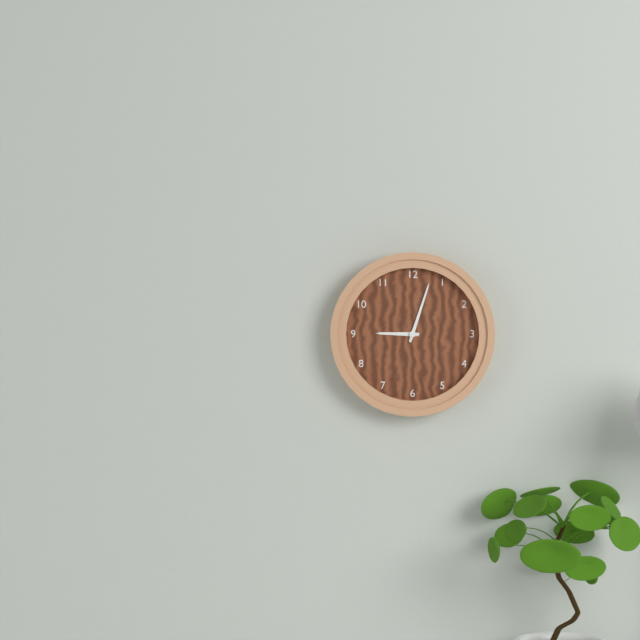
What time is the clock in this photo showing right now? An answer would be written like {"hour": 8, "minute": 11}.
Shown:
{"hour": 9, "minute": 3}
